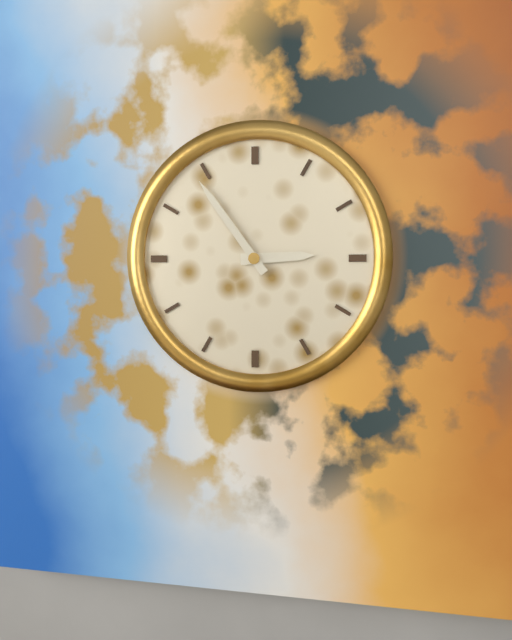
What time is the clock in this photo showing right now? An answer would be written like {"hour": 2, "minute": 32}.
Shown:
{"hour": 2, "minute": 54}
